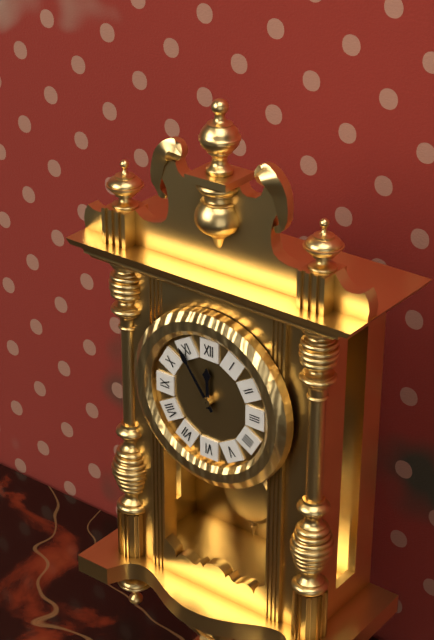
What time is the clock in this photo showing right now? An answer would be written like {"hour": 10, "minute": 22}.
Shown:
{"hour": 11, "minute": 54}
